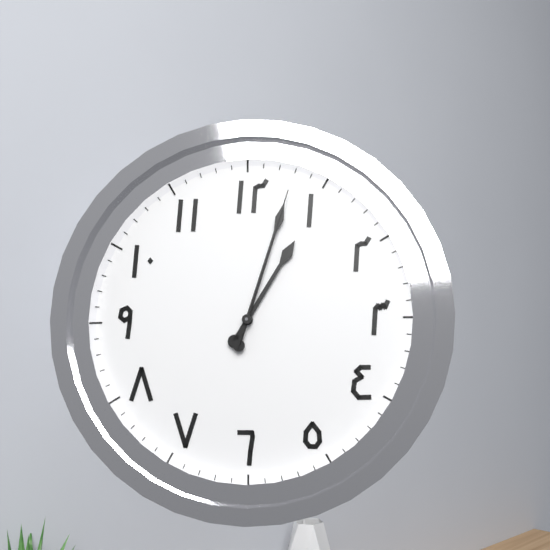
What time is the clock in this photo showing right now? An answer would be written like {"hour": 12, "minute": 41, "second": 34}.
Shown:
{"hour": 1, "minute": 3, "second": 3}
